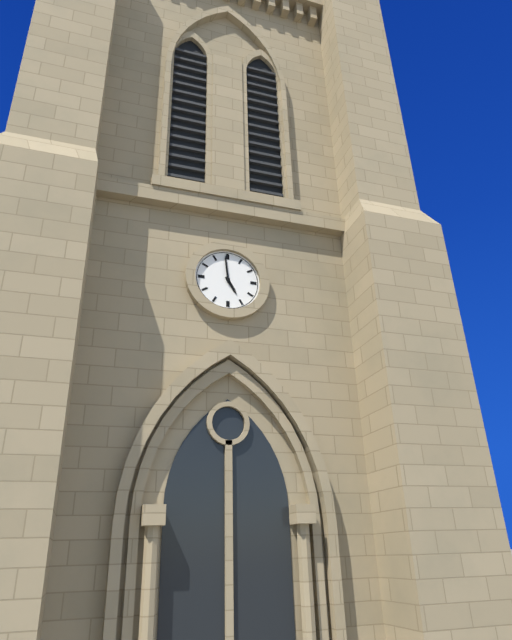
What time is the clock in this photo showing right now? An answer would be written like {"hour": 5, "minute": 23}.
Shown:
{"hour": 4, "minute": 59}
